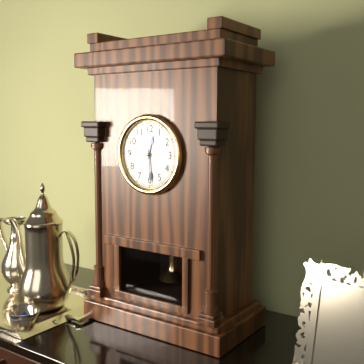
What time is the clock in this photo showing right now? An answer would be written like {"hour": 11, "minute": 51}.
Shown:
{"hour": 12, "minute": 29}
